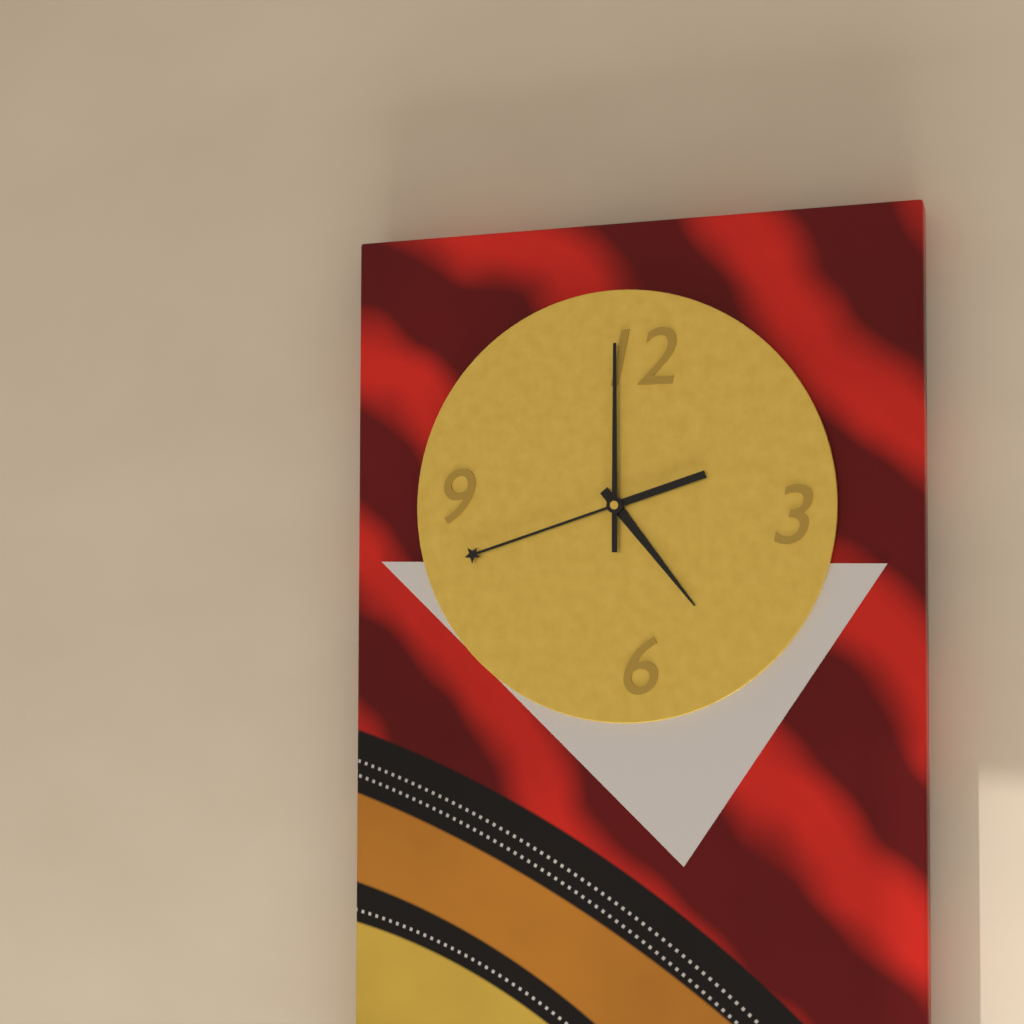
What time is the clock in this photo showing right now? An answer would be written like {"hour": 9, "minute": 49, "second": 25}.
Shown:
{"hour": 4, "minute": 42, "second": 0}
